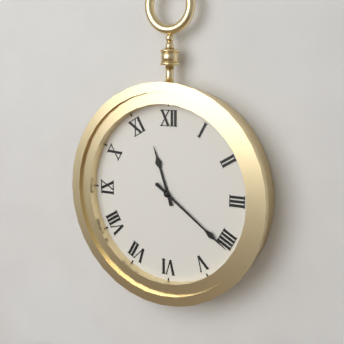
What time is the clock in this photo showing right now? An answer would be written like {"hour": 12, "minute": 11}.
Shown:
{"hour": 11, "minute": 21}
